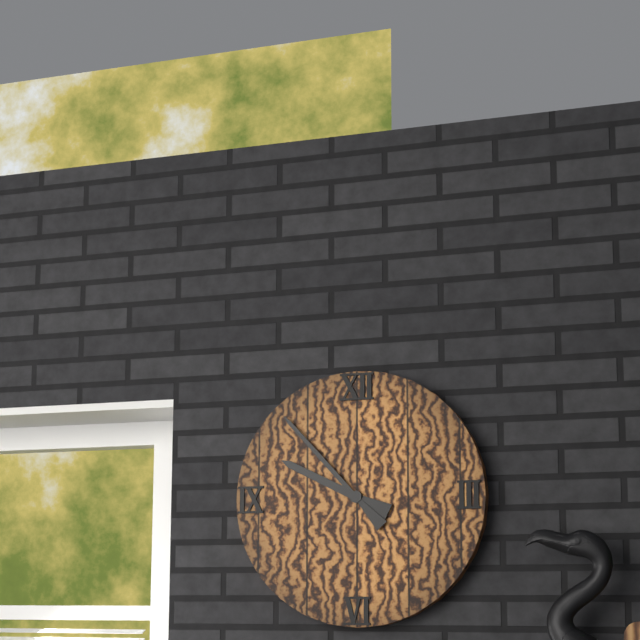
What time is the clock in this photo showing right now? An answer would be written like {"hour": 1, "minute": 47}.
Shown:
{"hour": 9, "minute": 53}
